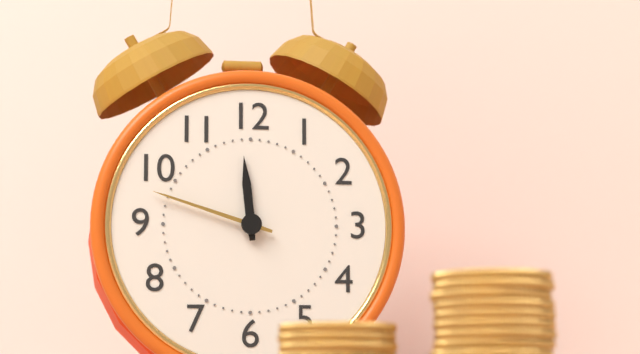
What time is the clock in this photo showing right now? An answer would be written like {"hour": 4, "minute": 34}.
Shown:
{"hour": 11, "minute": 48}
